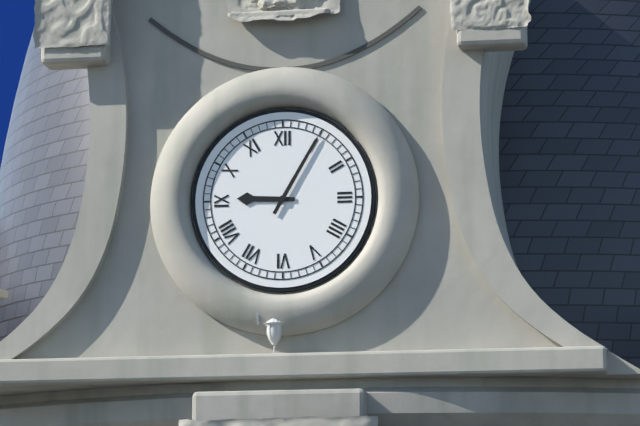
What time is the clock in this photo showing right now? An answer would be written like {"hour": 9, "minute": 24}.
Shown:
{"hour": 9, "minute": 5}
